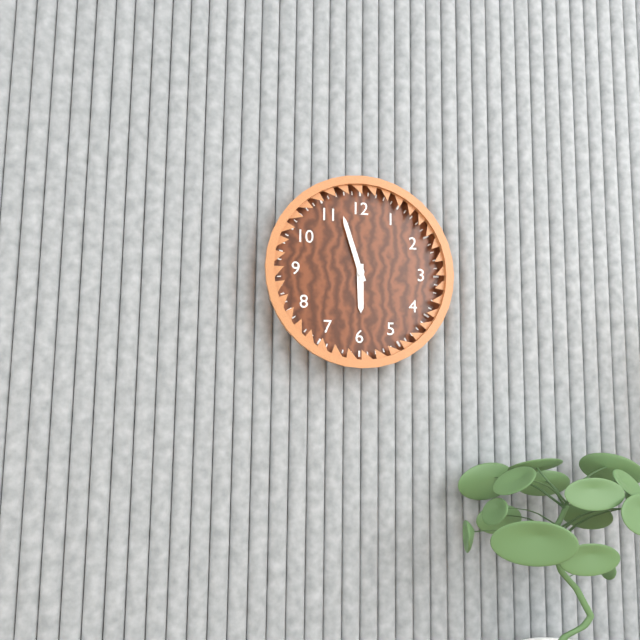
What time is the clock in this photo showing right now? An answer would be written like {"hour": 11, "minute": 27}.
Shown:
{"hour": 5, "minute": 57}
